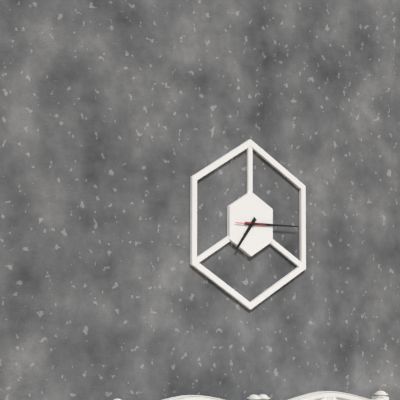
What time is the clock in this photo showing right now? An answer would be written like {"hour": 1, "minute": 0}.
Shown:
{"hour": 7, "minute": 15}
